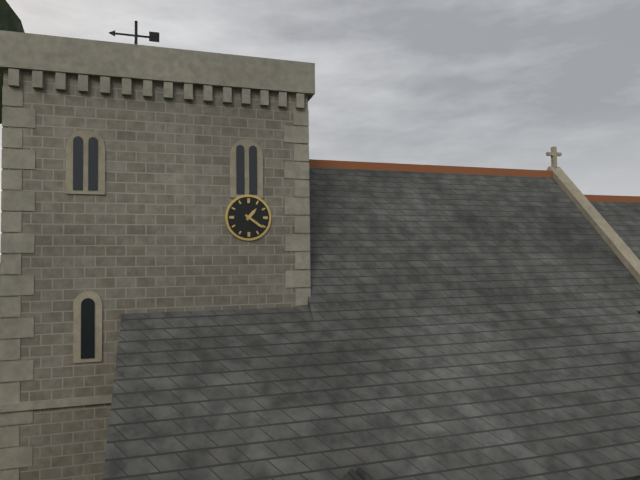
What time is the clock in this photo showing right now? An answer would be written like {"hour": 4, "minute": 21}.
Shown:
{"hour": 1, "minute": 21}
